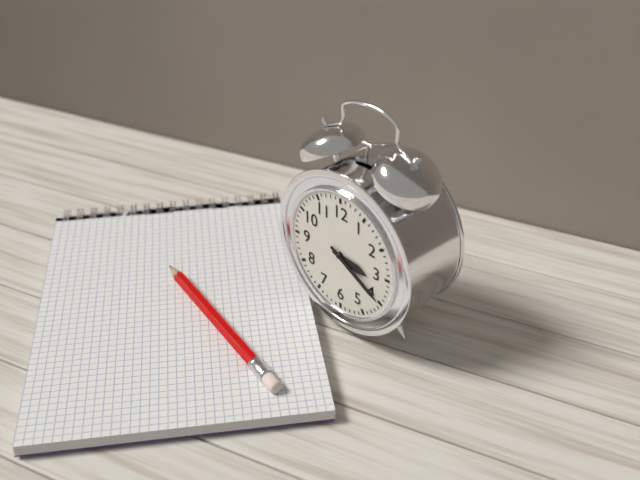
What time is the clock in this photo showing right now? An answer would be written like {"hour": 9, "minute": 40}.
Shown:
{"hour": 3, "minute": 20}
